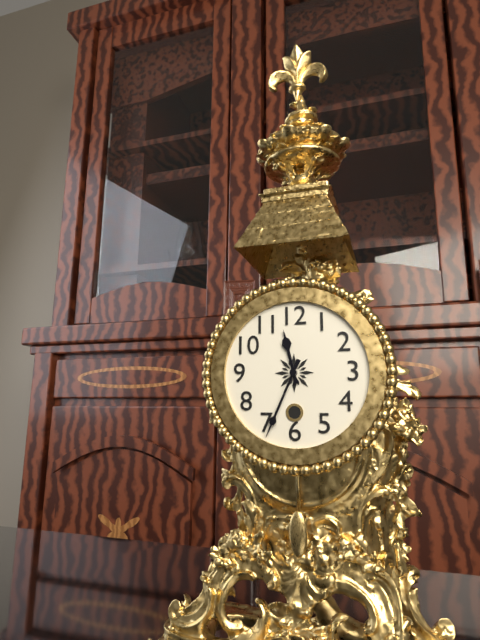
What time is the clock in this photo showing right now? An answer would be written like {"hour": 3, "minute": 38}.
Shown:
{"hour": 11, "minute": 34}
